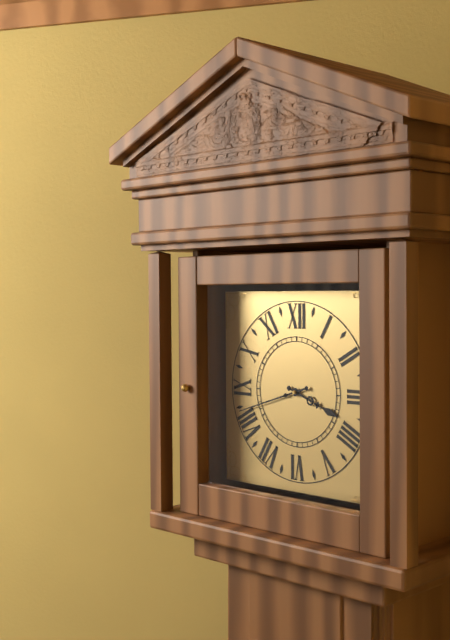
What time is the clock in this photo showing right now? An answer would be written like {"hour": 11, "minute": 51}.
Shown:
{"hour": 3, "minute": 42}
